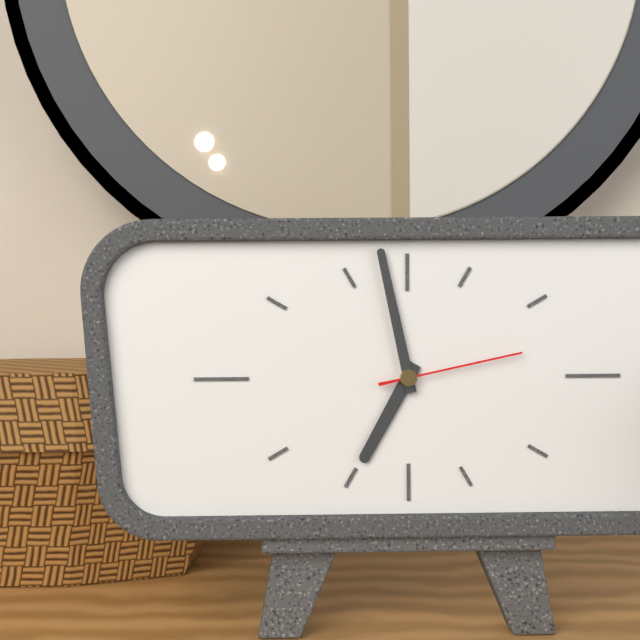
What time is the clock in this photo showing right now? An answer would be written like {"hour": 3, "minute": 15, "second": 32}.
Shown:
{"hour": 6, "minute": 58, "second": 13}
